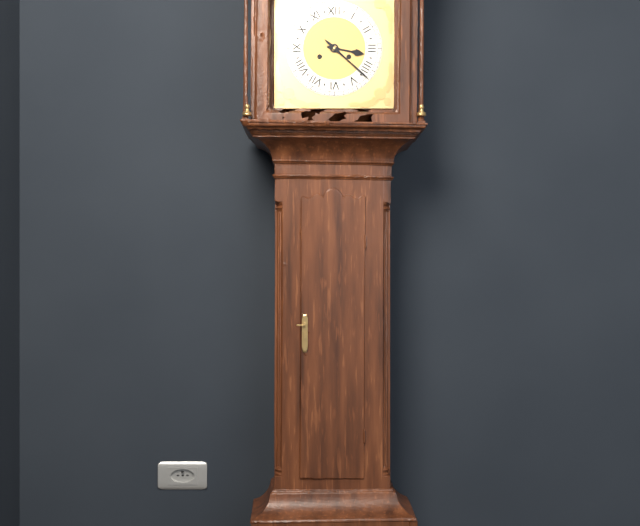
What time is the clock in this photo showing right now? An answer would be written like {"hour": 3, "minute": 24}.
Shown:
{"hour": 3, "minute": 22}
